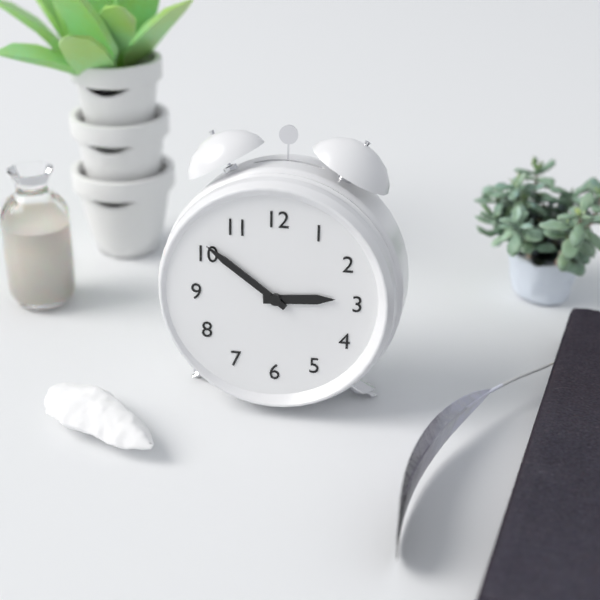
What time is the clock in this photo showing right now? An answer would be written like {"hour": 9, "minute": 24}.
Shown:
{"hour": 2, "minute": 51}
